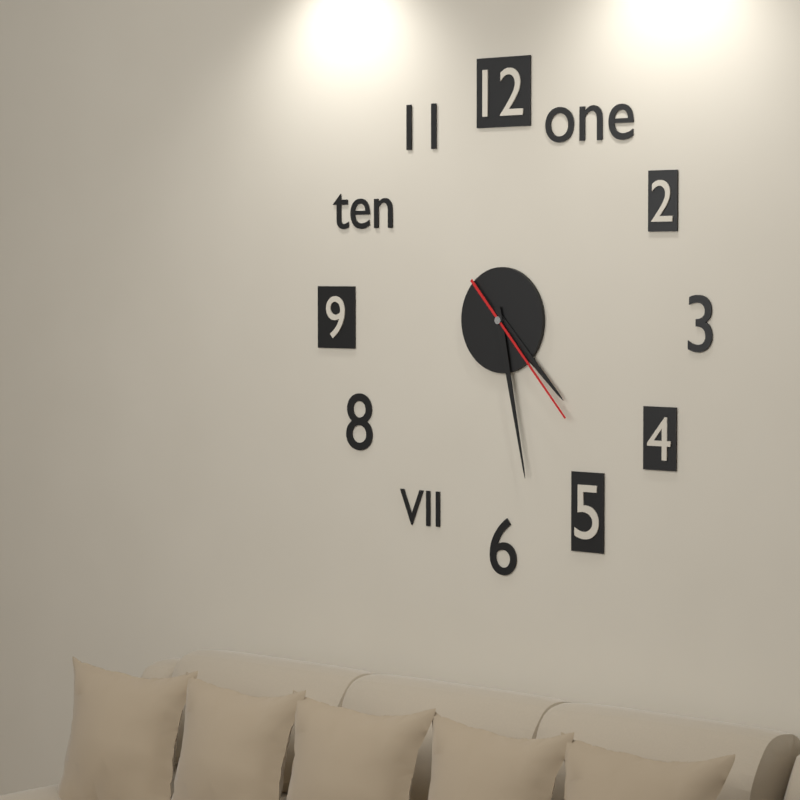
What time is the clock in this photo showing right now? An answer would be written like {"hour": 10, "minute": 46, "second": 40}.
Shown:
{"hour": 4, "minute": 28, "second": 23}
